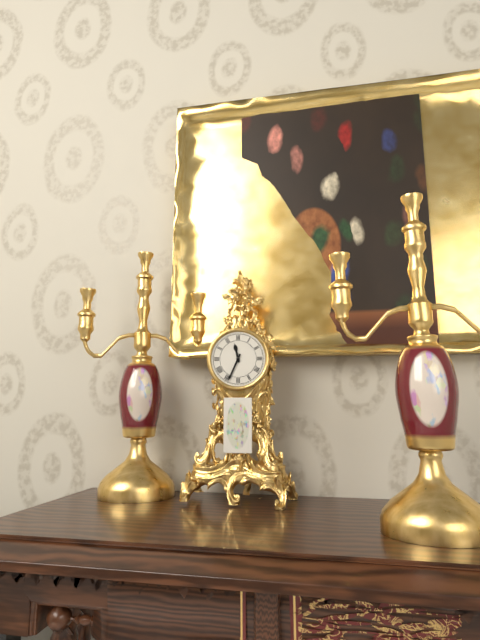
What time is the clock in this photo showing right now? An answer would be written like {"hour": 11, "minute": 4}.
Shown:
{"hour": 11, "minute": 34}
